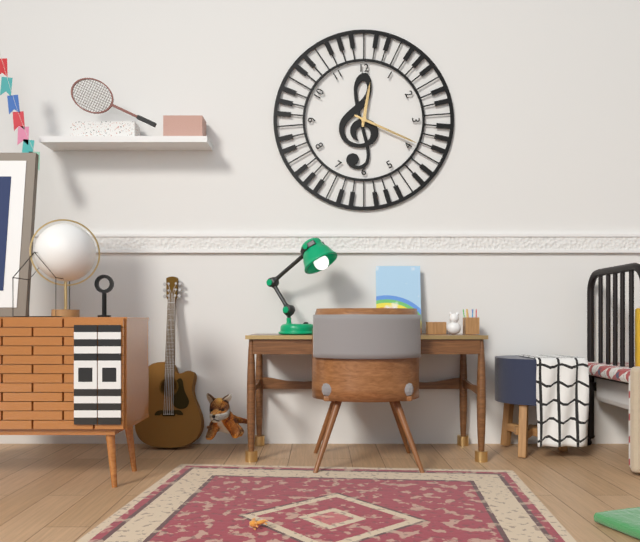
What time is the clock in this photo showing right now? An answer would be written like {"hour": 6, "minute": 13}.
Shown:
{"hour": 12, "minute": 19}
